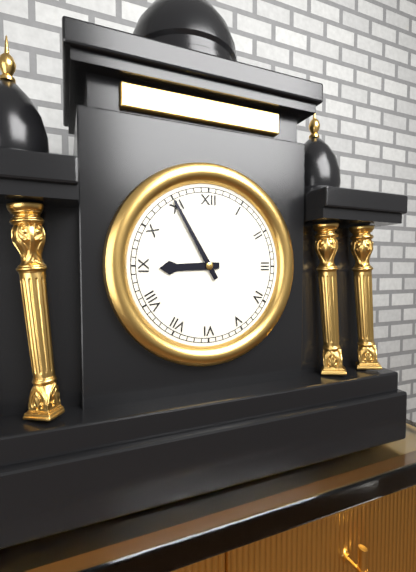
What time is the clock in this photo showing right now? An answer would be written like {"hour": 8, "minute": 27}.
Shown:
{"hour": 8, "minute": 55}
